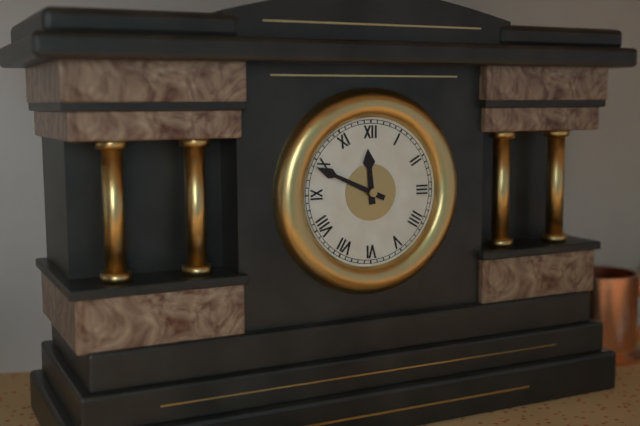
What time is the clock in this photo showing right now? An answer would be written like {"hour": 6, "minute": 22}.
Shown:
{"hour": 11, "minute": 49}
